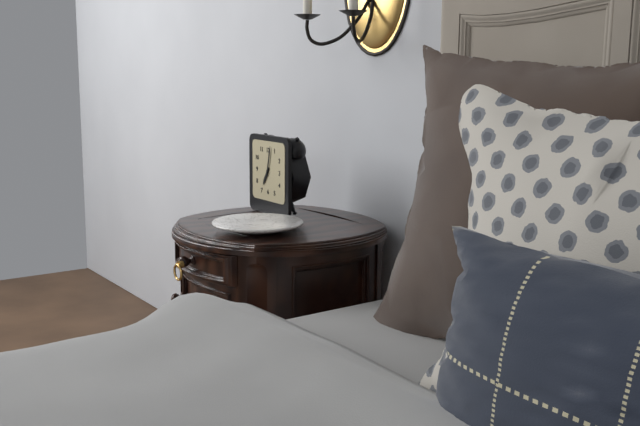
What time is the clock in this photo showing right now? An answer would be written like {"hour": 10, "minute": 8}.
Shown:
{"hour": 7, "minute": 2}
